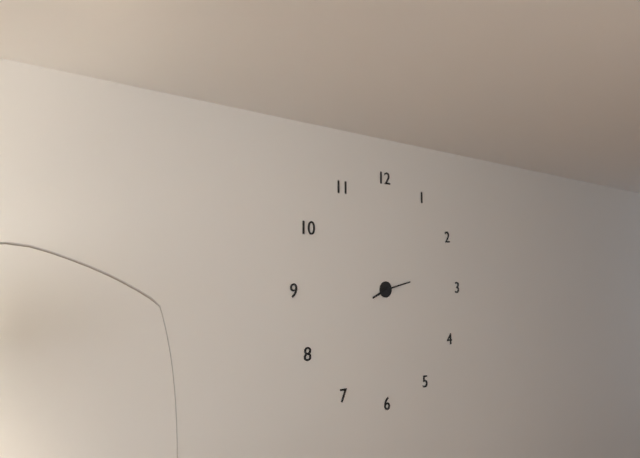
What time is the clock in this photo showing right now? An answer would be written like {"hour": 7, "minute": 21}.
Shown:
{"hour": 8, "minute": 13}
